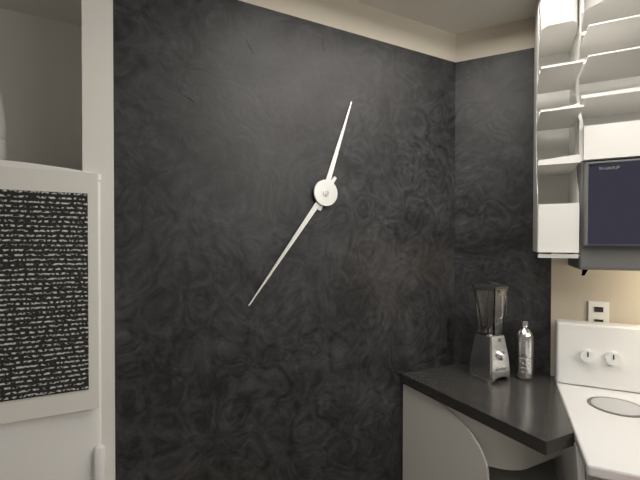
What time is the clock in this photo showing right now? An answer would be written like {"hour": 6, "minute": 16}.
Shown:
{"hour": 12, "minute": 36}
